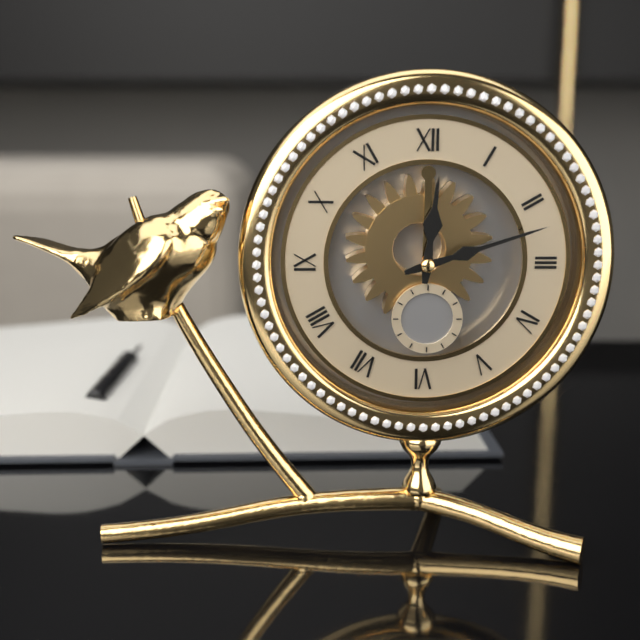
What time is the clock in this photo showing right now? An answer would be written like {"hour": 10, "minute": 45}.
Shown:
{"hour": 12, "minute": 12}
